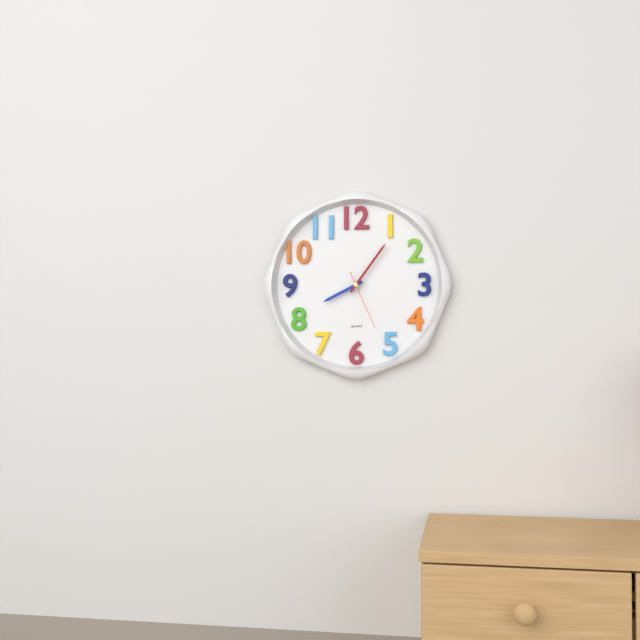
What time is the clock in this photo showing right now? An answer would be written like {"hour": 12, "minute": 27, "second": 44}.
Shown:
{"hour": 8, "minute": 6, "second": 26}
